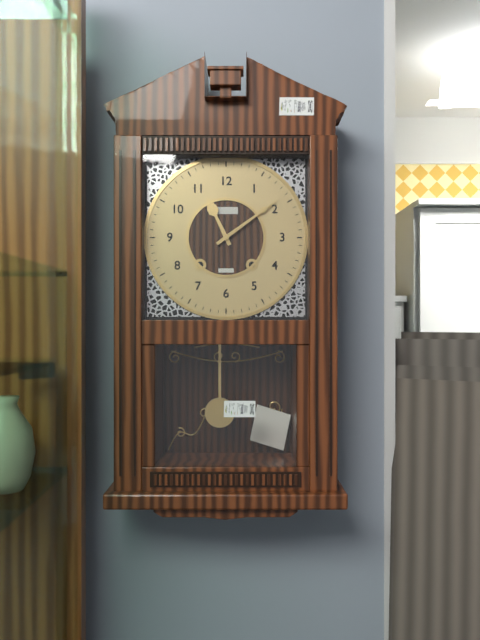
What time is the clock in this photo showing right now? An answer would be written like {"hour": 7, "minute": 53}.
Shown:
{"hour": 11, "minute": 9}
